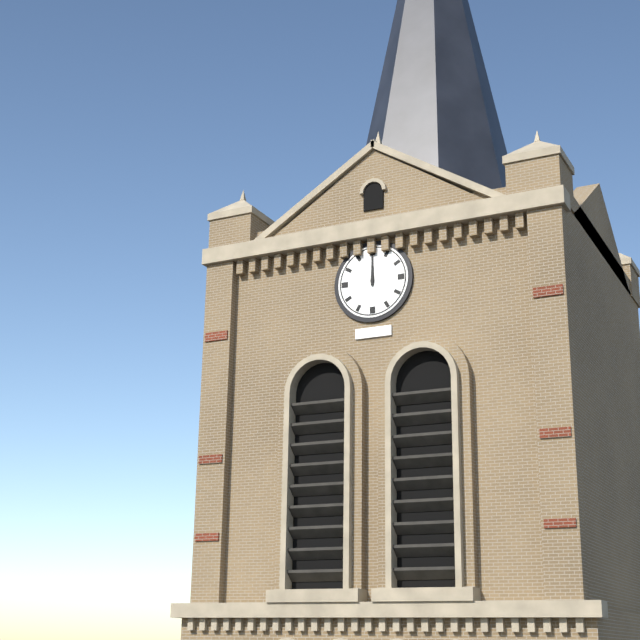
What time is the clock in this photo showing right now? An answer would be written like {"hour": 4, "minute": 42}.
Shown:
{"hour": 12, "minute": 0}
